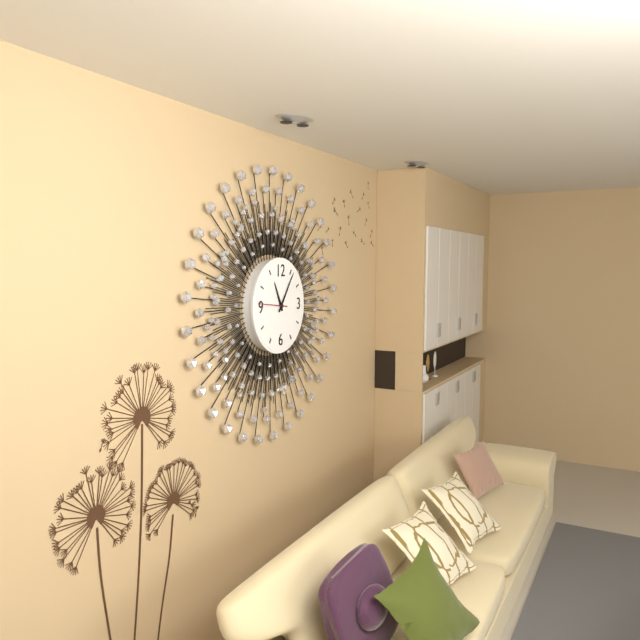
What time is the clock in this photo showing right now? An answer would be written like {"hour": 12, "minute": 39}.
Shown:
{"hour": 11, "minute": 6}
